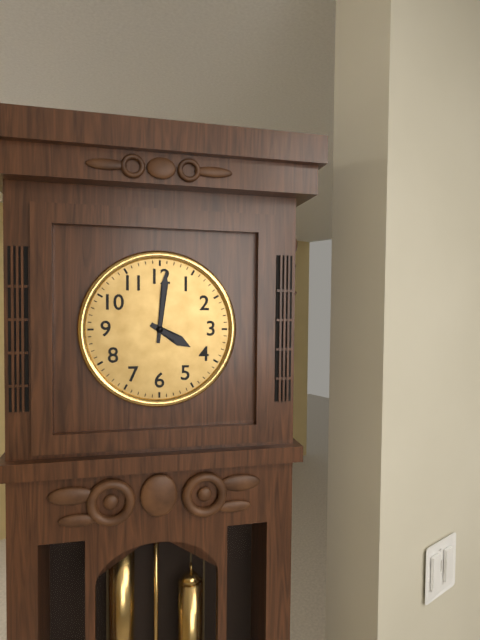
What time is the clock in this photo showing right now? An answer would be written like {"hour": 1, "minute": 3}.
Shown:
{"hour": 4, "minute": 1}
